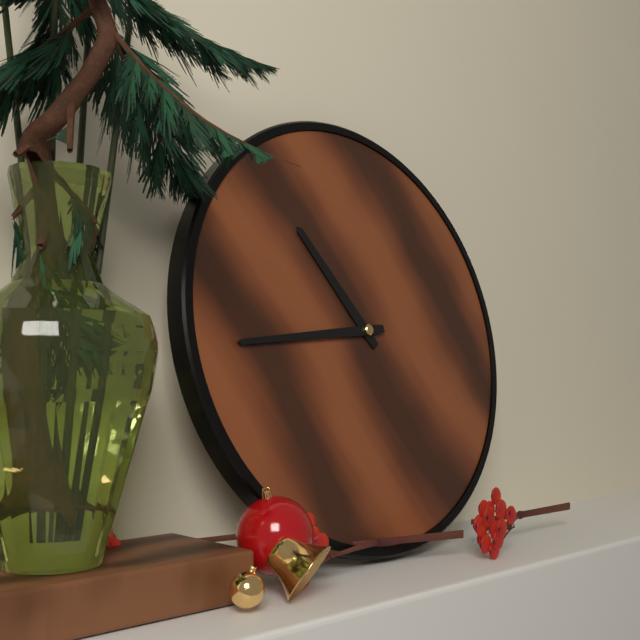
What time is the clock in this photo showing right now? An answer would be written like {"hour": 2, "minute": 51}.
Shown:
{"hour": 10, "minute": 44}
